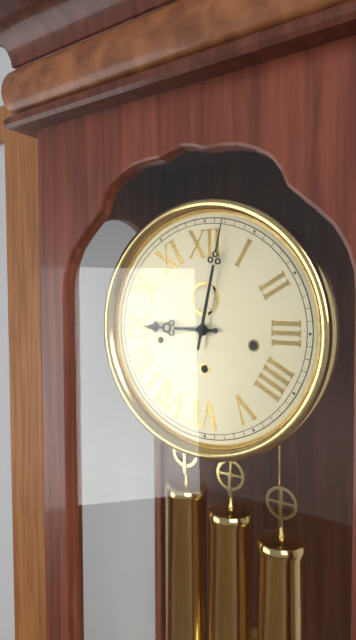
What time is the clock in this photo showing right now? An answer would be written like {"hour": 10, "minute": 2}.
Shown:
{"hour": 9, "minute": 2}
